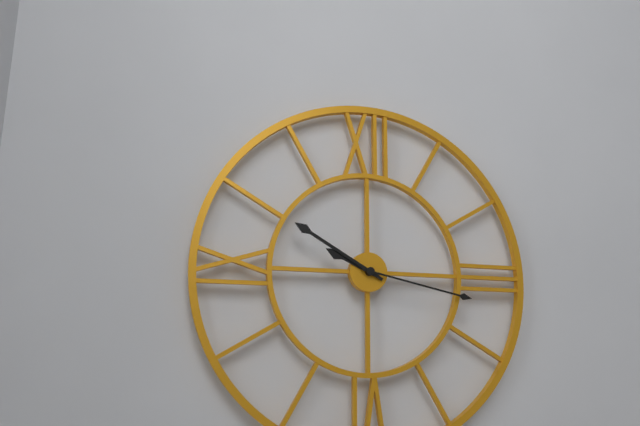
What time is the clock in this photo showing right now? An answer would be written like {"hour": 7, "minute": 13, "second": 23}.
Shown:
{"hour": 9, "minute": 50, "second": 17}
